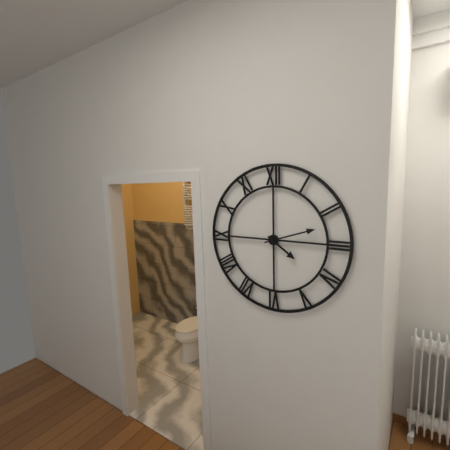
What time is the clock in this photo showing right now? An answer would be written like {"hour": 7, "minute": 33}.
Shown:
{"hour": 4, "minute": 12}
